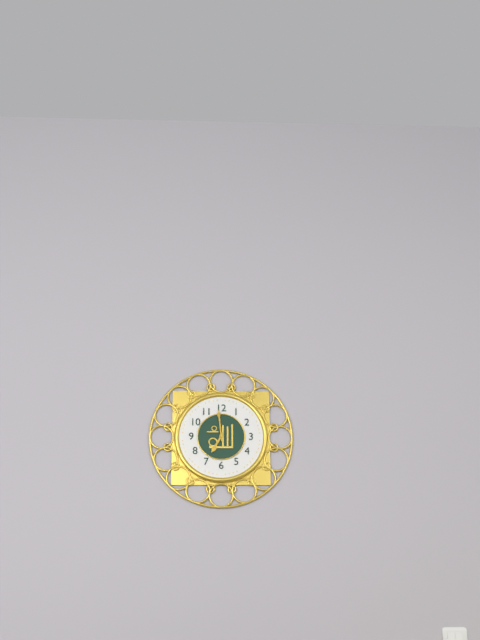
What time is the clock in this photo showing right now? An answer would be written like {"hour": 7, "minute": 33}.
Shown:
{"hour": 6, "minute": 59}
